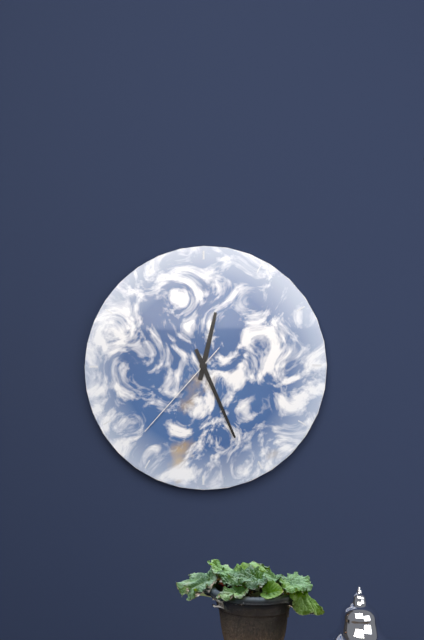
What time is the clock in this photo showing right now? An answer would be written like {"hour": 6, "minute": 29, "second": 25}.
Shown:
{"hour": 12, "minute": 26, "second": 37}
